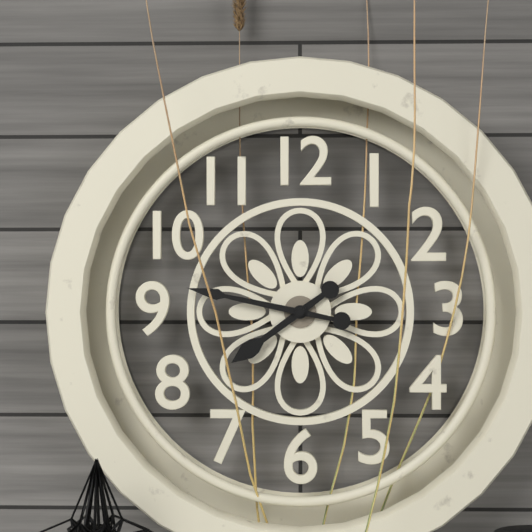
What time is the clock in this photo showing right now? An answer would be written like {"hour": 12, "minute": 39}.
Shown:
{"hour": 7, "minute": 47}
